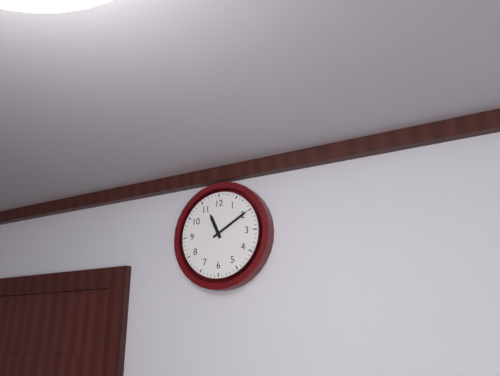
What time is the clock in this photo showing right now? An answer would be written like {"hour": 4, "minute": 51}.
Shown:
{"hour": 11, "minute": 10}
